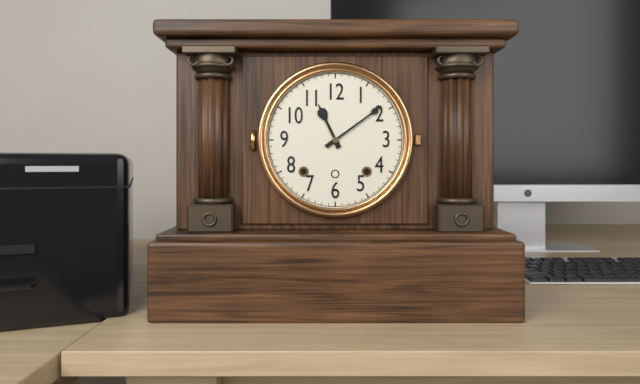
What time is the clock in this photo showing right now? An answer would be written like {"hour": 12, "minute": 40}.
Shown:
{"hour": 11, "minute": 9}
